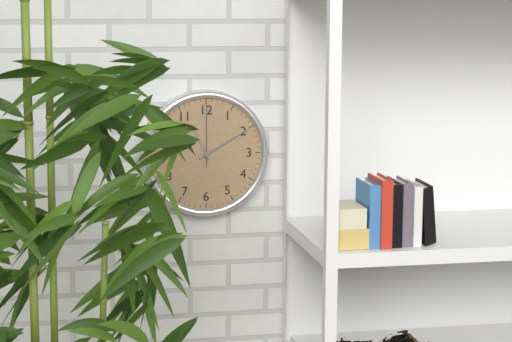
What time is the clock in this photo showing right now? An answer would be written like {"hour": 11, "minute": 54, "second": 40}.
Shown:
{"hour": 11, "minute": 10, "second": 0}
